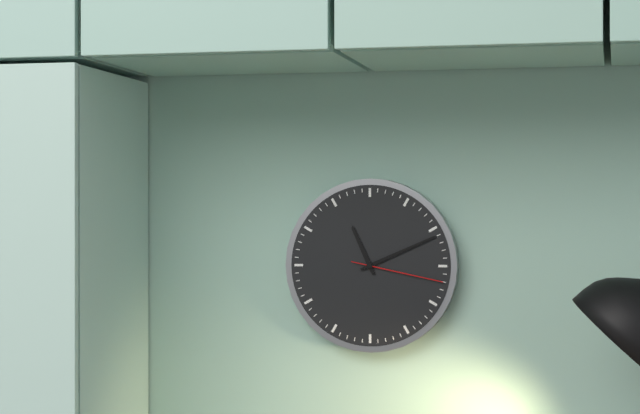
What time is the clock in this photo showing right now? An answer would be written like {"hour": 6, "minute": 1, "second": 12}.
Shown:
{"hour": 11, "minute": 11, "second": 17}
